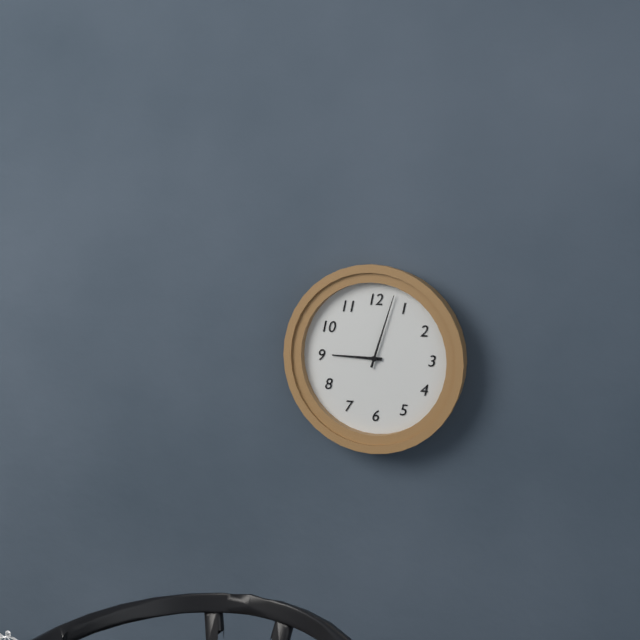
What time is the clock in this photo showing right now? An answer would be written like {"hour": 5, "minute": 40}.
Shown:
{"hour": 9, "minute": 3}
